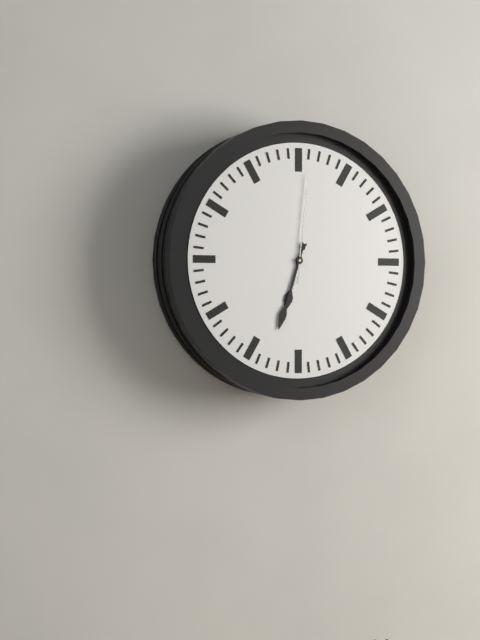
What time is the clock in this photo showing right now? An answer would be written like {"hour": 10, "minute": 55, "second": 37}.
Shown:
{"hour": 6, "minute": 33, "second": 1}
